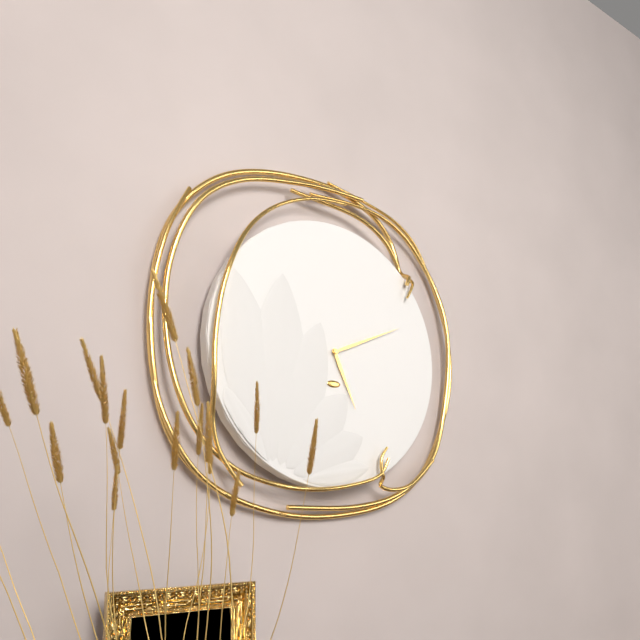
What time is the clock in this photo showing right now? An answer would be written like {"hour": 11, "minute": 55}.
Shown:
{"hour": 5, "minute": 11}
